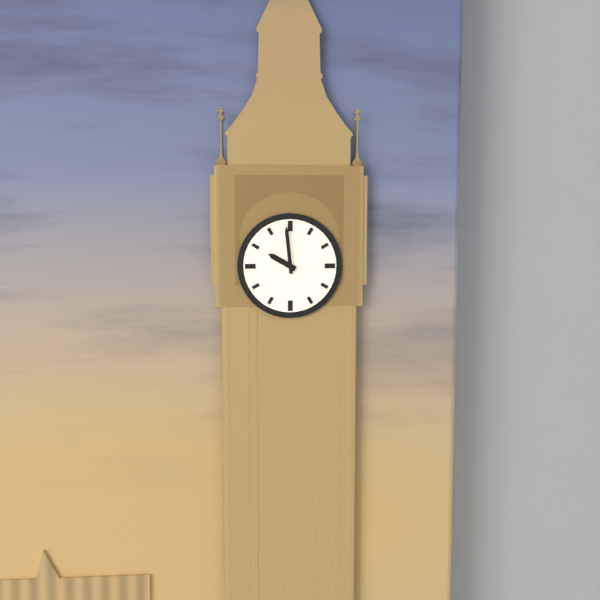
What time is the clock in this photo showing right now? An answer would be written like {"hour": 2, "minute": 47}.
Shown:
{"hour": 9, "minute": 59}
